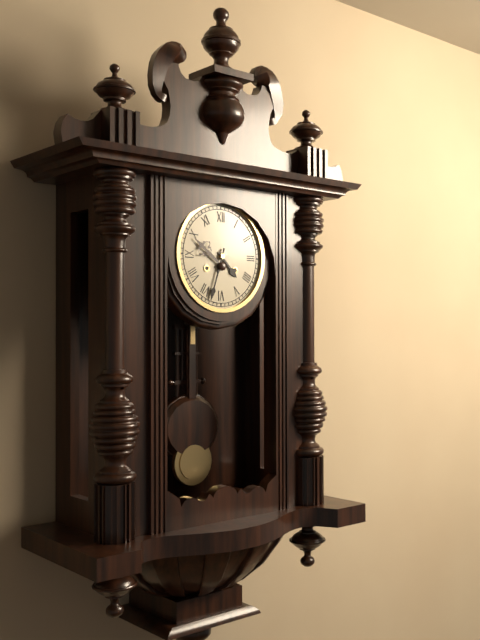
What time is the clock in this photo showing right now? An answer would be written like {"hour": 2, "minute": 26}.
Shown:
{"hour": 4, "minute": 33}
